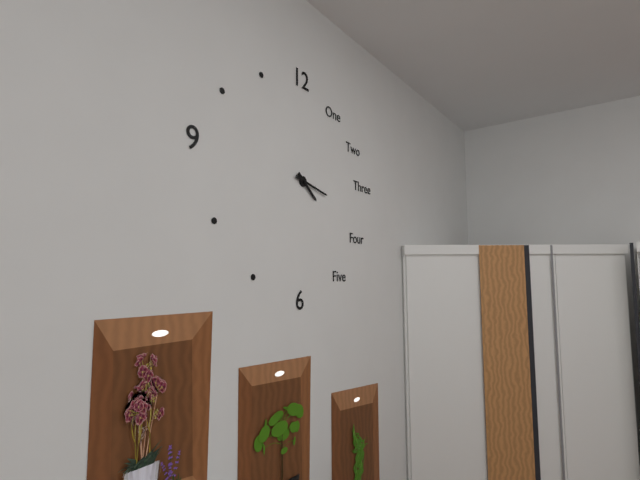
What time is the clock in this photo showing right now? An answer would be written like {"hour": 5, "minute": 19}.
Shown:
{"hour": 4, "minute": 17}
